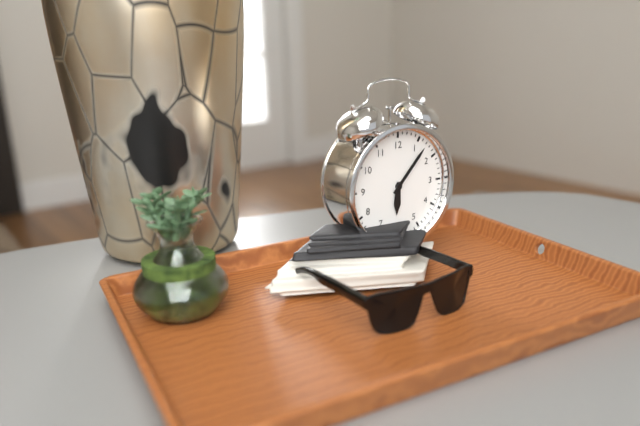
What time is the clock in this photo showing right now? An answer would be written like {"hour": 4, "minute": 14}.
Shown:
{"hour": 6, "minute": 7}
